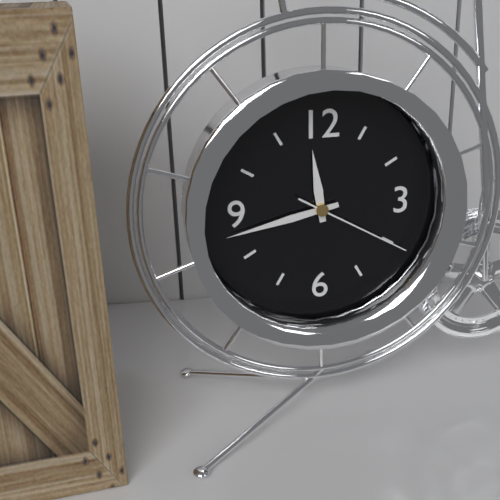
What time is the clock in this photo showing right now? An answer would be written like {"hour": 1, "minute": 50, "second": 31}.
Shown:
{"hour": 11, "minute": 43, "second": 20}
